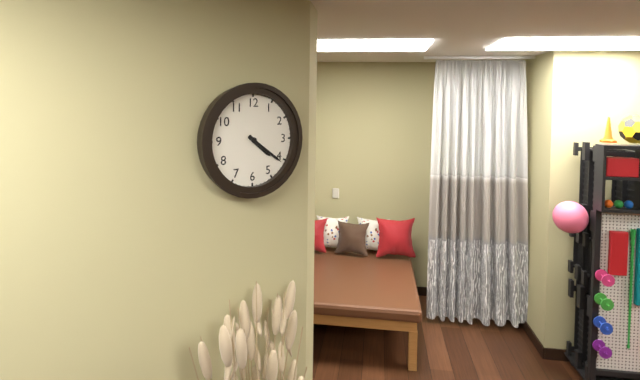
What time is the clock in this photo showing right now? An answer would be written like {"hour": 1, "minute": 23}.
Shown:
{"hour": 4, "minute": 21}
